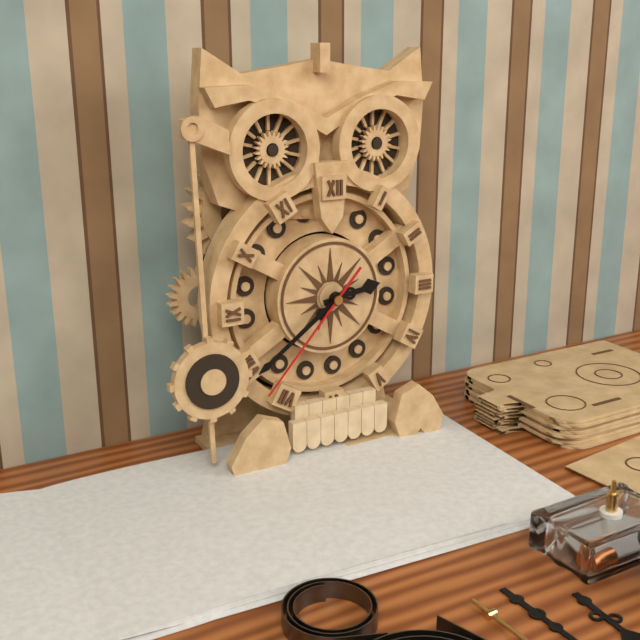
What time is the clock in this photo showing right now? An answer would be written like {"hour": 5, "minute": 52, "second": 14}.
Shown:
{"hour": 2, "minute": 39, "second": 37}
